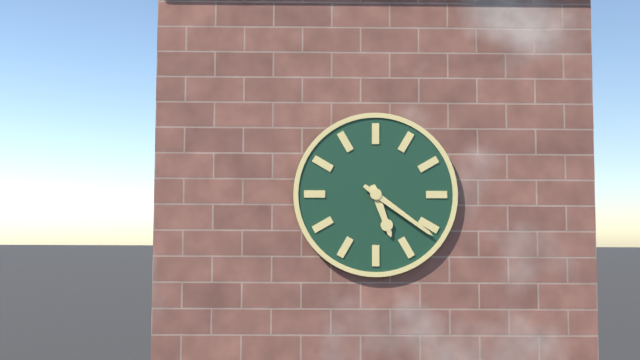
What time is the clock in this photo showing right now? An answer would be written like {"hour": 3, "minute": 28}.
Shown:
{"hour": 5, "minute": 21}
